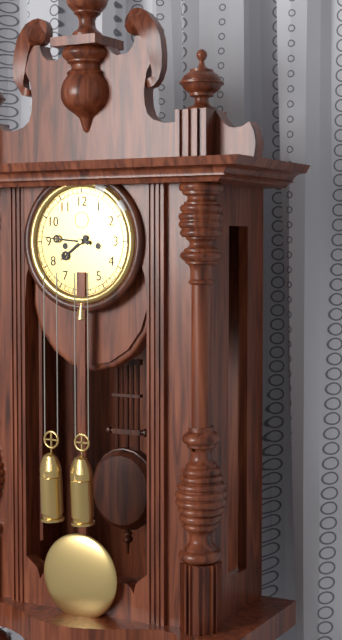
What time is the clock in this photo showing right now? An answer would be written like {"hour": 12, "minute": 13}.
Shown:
{"hour": 7, "minute": 46}
